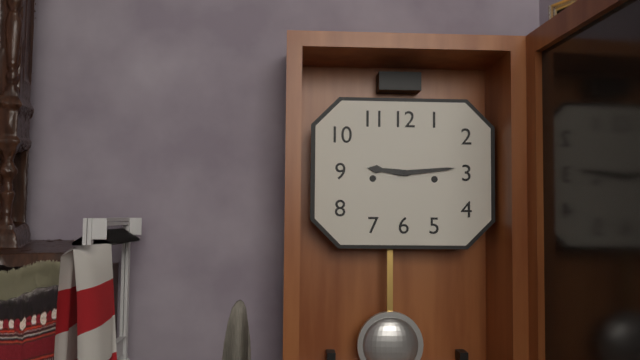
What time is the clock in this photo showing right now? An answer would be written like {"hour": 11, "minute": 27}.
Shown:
{"hour": 9, "minute": 14}
